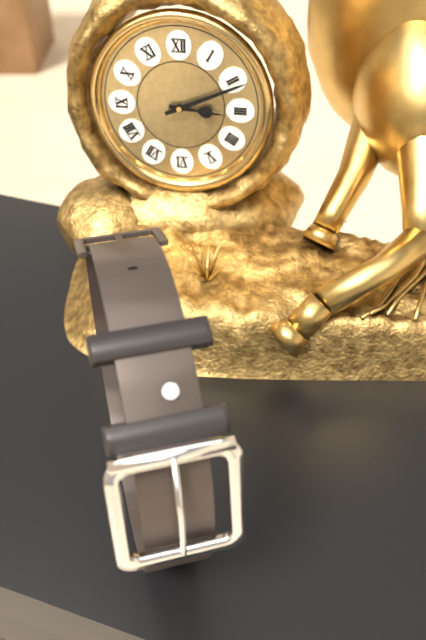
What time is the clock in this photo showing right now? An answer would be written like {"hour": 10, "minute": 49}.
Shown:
{"hour": 3, "minute": 11}
